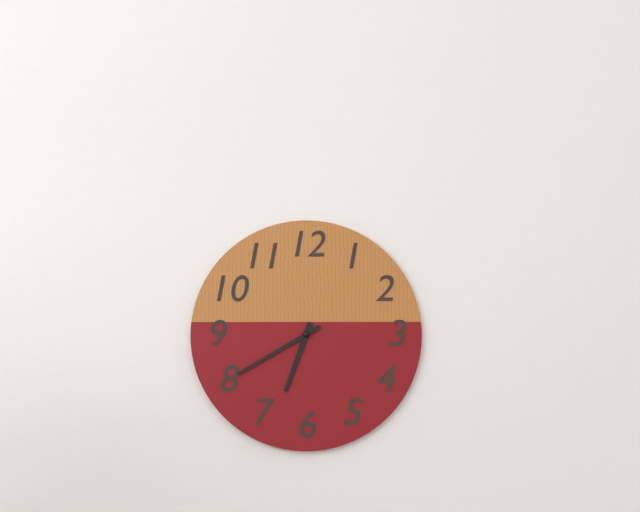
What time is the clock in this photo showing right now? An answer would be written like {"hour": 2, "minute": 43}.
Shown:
{"hour": 6, "minute": 40}
